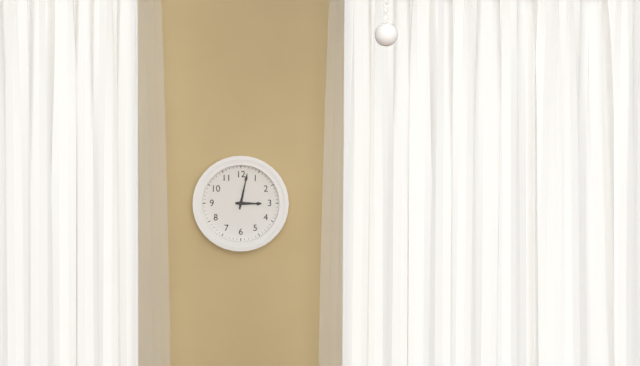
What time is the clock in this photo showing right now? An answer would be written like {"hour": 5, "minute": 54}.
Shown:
{"hour": 3, "minute": 2}
